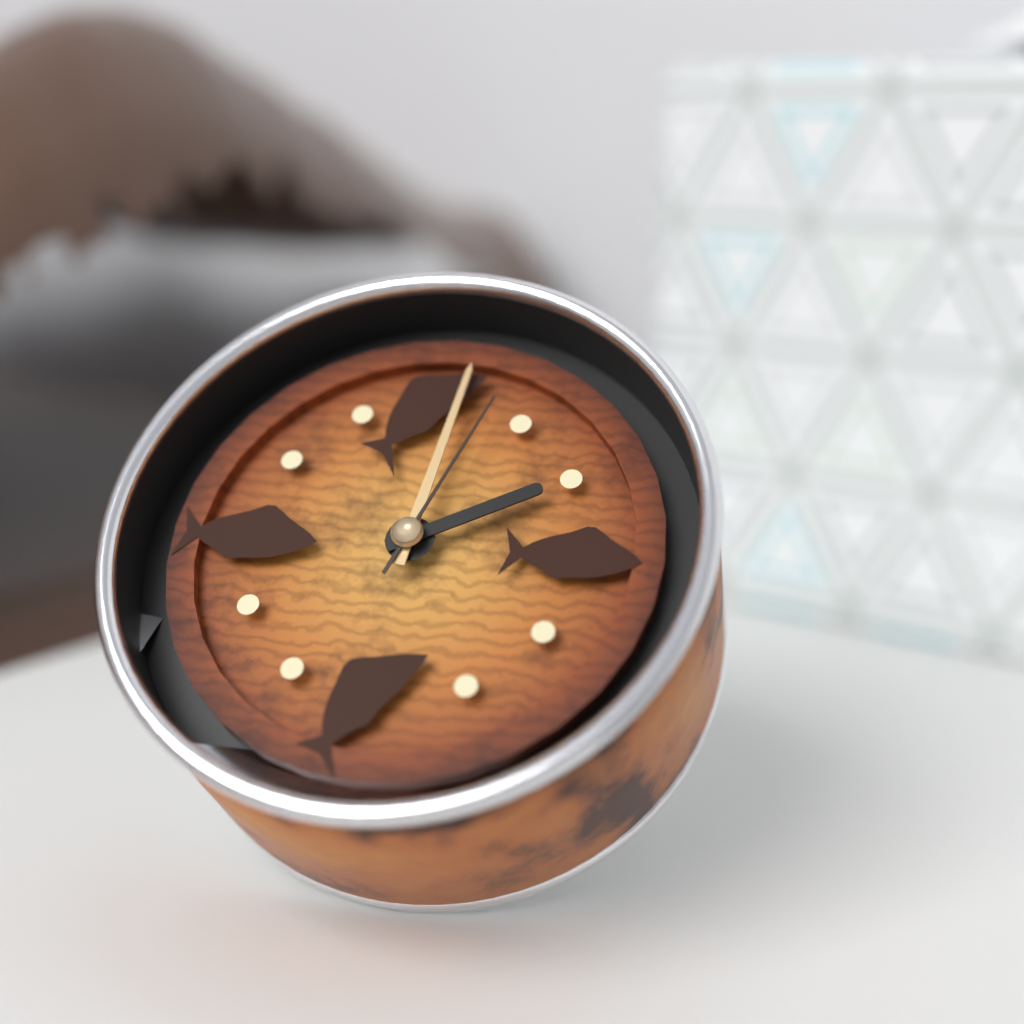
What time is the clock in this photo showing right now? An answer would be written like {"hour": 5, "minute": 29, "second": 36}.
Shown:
{"hour": 2, "minute": 1, "second": 3}
